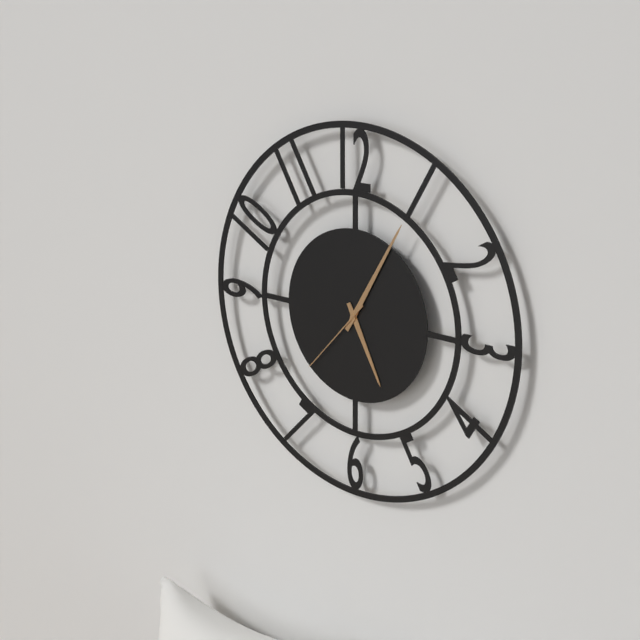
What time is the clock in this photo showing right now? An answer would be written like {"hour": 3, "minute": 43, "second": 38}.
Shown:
{"hour": 5, "minute": 5, "second": 37}
